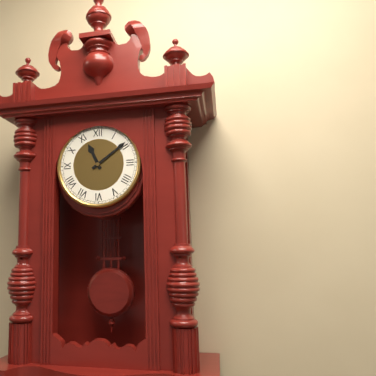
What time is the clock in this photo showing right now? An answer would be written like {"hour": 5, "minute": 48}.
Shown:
{"hour": 11, "minute": 9}
